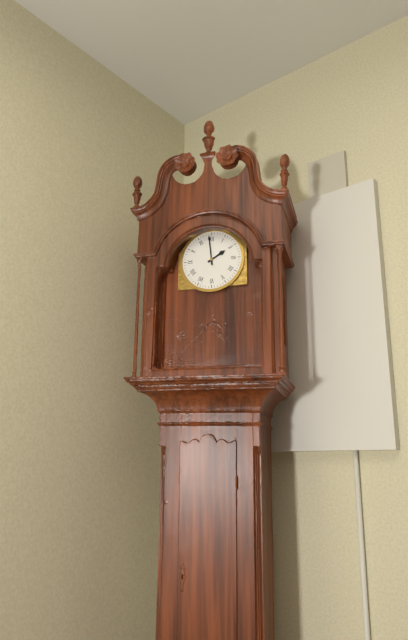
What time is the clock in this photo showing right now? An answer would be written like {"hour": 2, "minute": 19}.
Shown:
{"hour": 1, "minute": 59}
